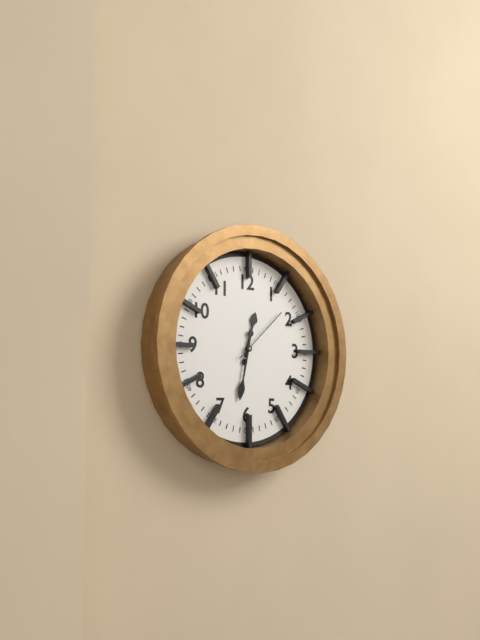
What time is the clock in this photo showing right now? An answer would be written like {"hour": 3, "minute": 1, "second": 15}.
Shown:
{"hour": 12, "minute": 32, "second": 8}
